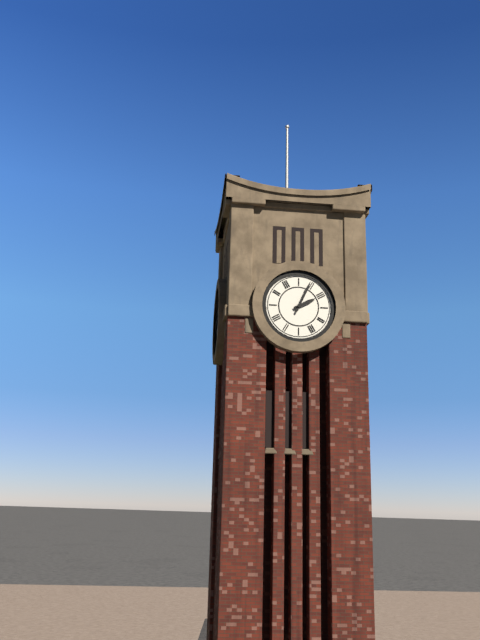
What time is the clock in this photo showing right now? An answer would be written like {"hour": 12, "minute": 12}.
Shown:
{"hour": 2, "minute": 4}
